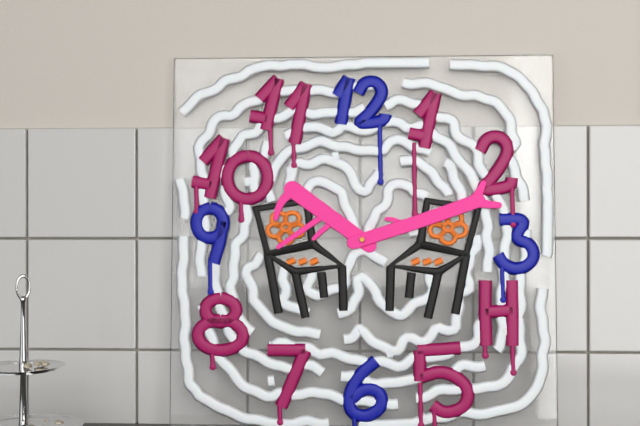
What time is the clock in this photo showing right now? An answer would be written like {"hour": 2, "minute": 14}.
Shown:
{"hour": 10, "minute": 12}
